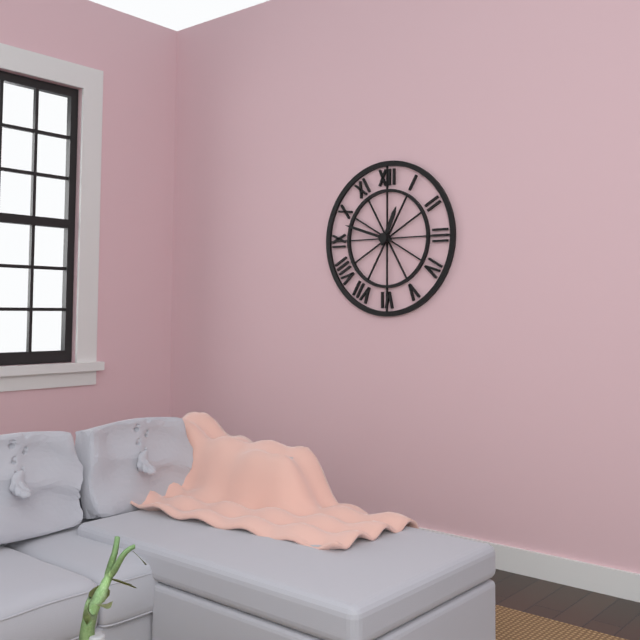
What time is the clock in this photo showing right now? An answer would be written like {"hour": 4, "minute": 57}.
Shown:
{"hour": 12, "minute": 48}
